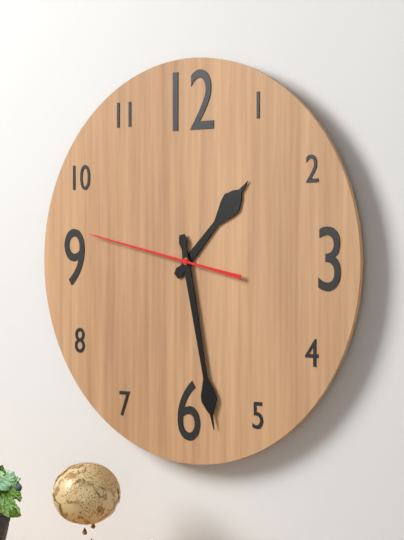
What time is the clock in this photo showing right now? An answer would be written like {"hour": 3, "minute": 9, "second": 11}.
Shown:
{"hour": 1, "minute": 28, "second": 47}
